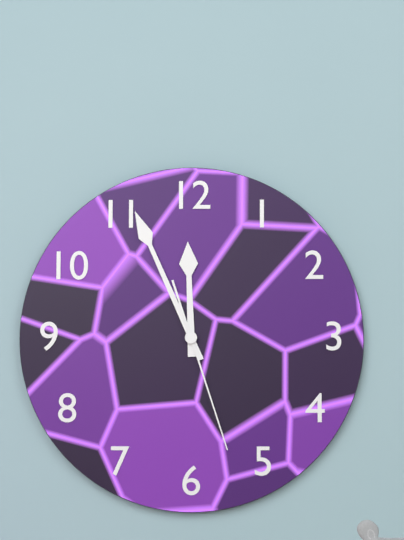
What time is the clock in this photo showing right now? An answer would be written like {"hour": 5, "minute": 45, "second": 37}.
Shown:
{"hour": 11, "minute": 56, "second": 27}
